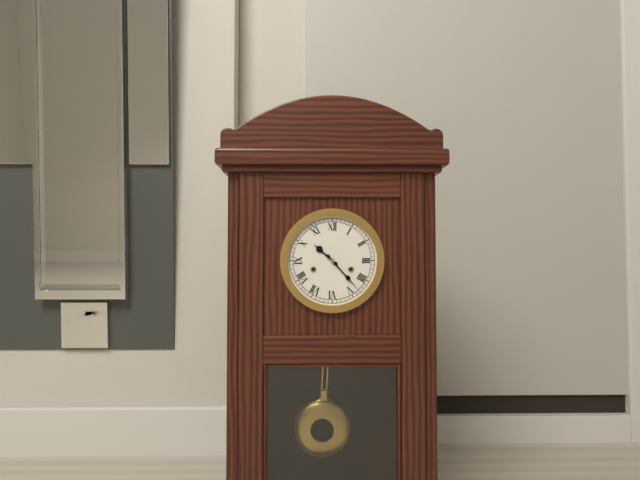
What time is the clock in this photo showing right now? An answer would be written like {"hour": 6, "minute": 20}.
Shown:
{"hour": 10, "minute": 23}
